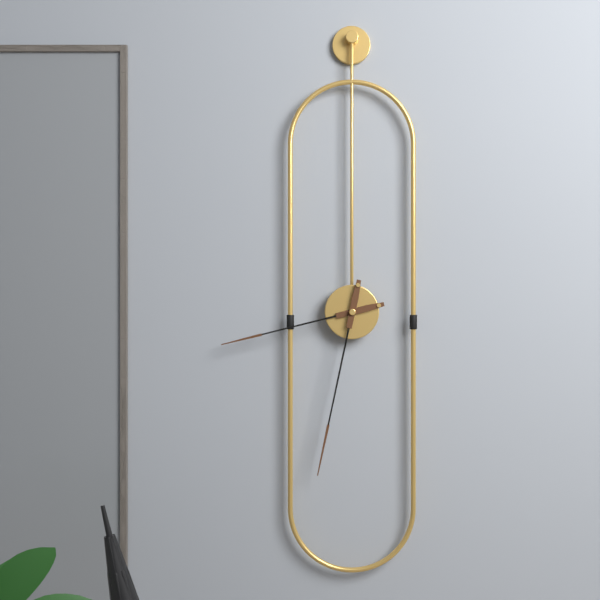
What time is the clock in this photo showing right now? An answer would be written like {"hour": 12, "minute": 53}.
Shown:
{"hour": 8, "minute": 32}
